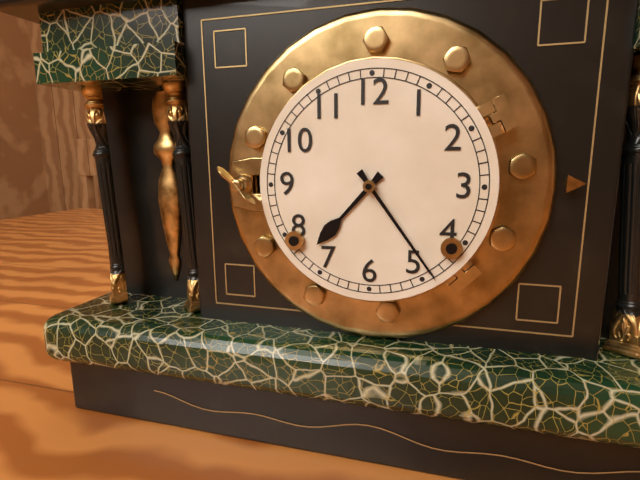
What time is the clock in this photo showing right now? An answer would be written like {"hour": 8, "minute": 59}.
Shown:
{"hour": 7, "minute": 24}
